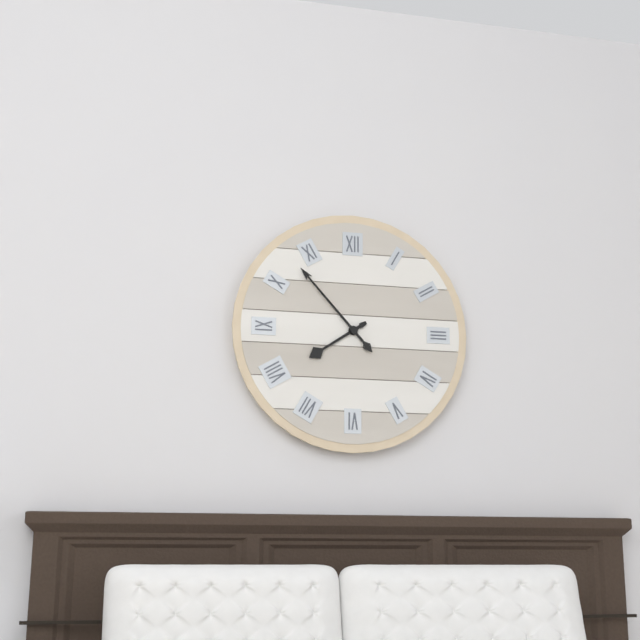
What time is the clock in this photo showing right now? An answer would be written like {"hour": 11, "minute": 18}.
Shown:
{"hour": 7, "minute": 53}
